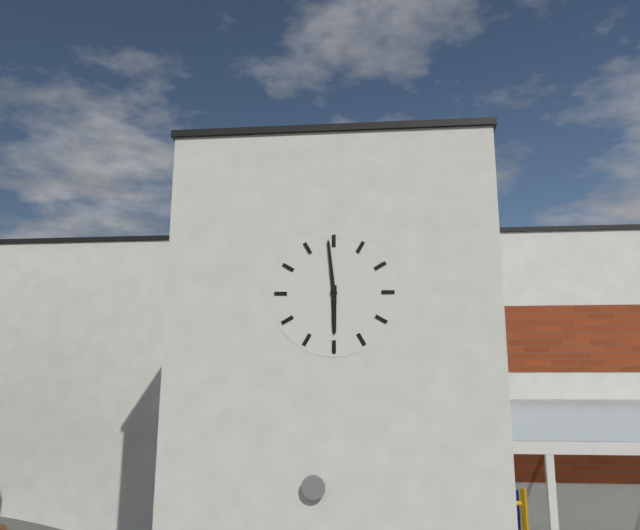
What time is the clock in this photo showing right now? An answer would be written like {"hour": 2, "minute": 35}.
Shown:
{"hour": 5, "minute": 59}
